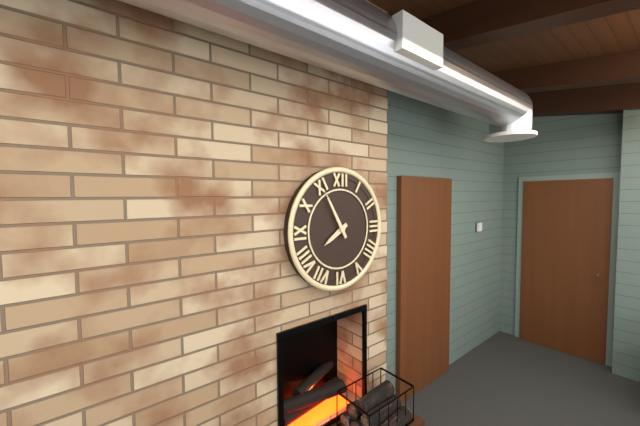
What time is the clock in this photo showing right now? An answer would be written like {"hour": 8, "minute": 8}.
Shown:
{"hour": 7, "minute": 55}
